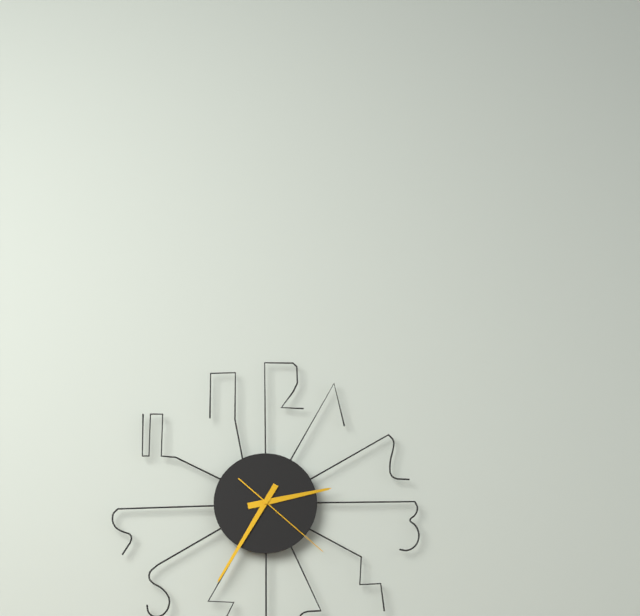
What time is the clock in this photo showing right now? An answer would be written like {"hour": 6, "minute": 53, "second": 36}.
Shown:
{"hour": 2, "minute": 35, "second": 22}
